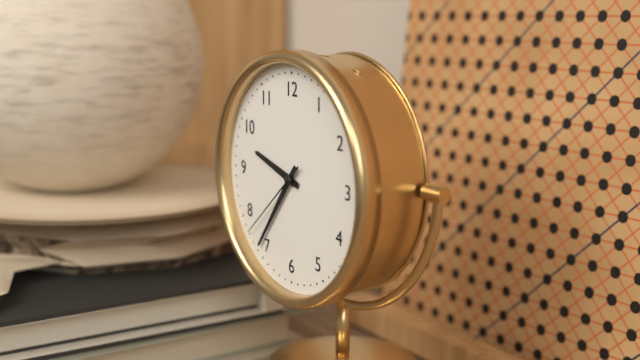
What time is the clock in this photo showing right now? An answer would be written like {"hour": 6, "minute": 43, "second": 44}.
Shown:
{"hour": 9, "minute": 36, "second": 38}
